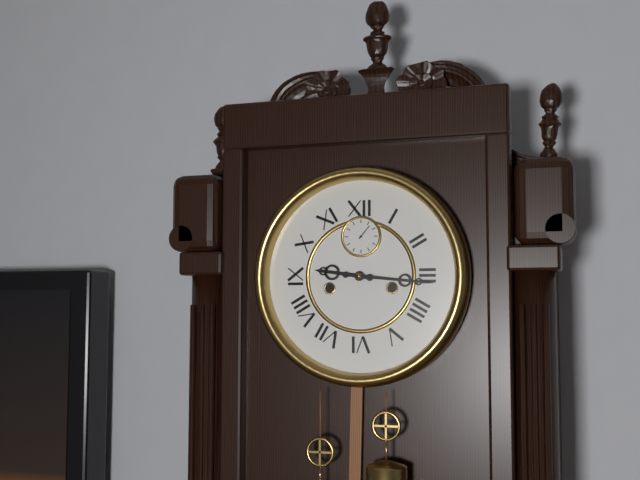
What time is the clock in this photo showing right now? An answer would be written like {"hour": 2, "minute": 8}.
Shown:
{"hour": 9, "minute": 16}
